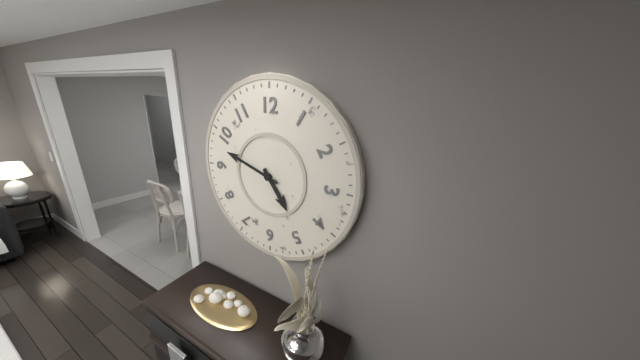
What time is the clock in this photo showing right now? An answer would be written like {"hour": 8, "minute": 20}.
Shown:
{"hour": 4, "minute": 48}
